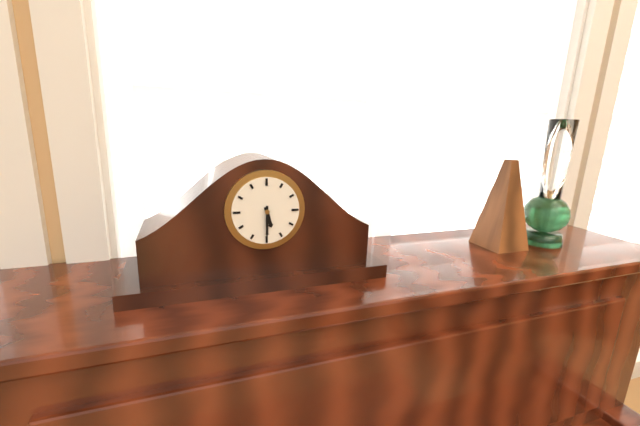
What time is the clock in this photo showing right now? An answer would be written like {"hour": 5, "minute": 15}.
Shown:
{"hour": 5, "minute": 30}
